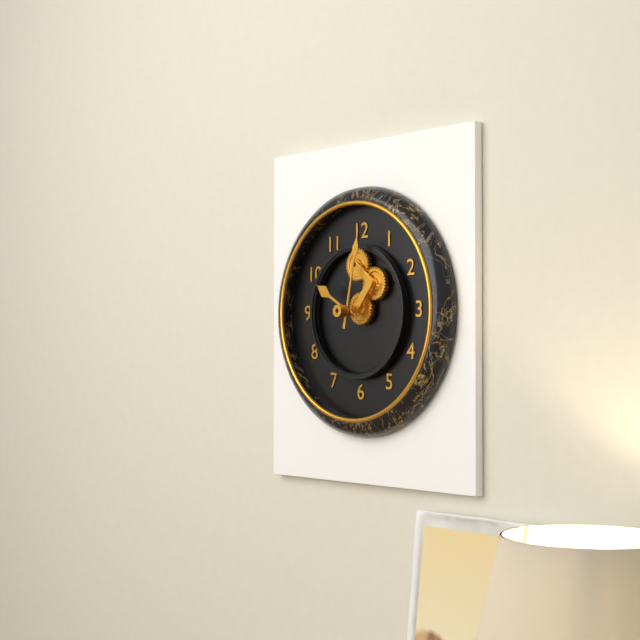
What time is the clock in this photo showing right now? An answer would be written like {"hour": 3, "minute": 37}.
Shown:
{"hour": 10, "minute": 2}
